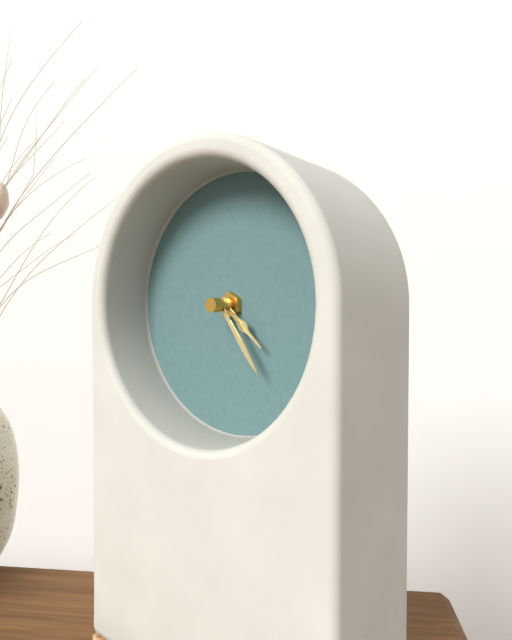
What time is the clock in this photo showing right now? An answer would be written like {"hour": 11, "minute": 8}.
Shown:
{"hour": 4, "minute": 24}
